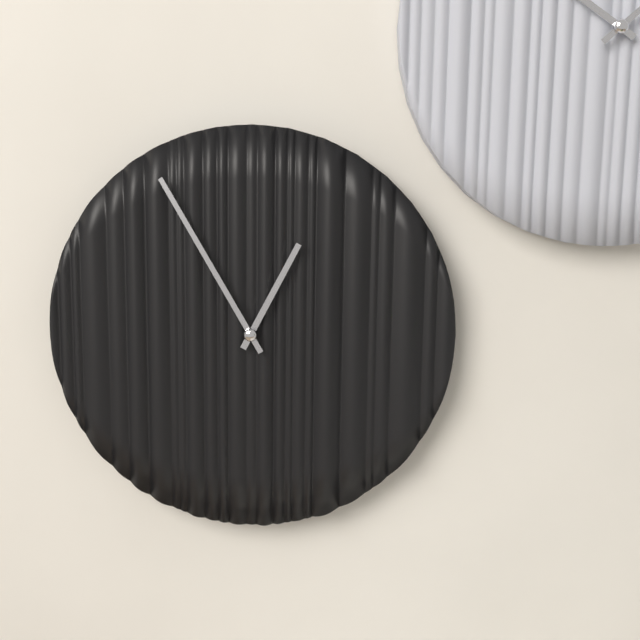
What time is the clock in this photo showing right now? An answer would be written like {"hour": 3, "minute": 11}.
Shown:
{"hour": 12, "minute": 55}
